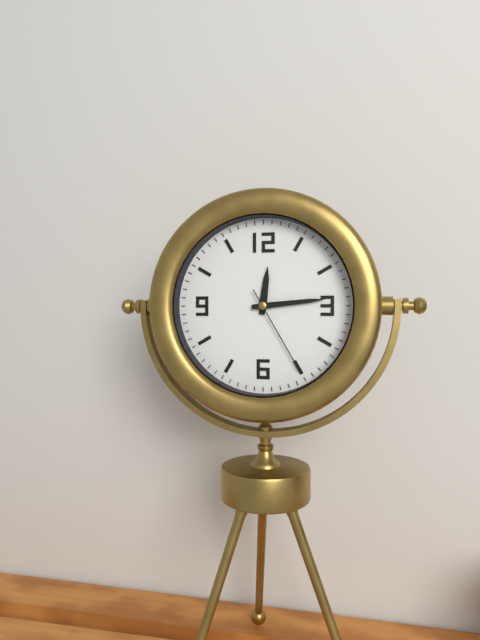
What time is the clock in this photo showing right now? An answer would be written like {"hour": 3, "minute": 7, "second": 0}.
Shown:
{"hour": 12, "minute": 14, "second": 25}
